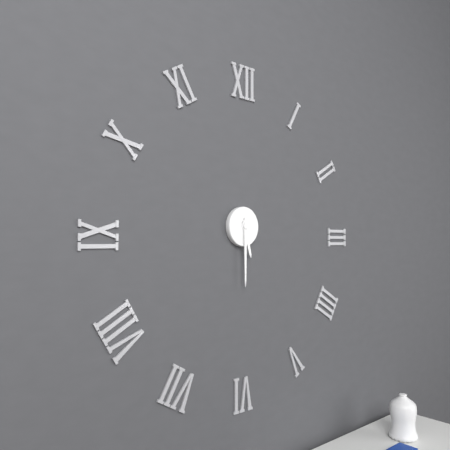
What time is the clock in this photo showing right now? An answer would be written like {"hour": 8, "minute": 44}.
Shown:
{"hour": 5, "minute": 30}
